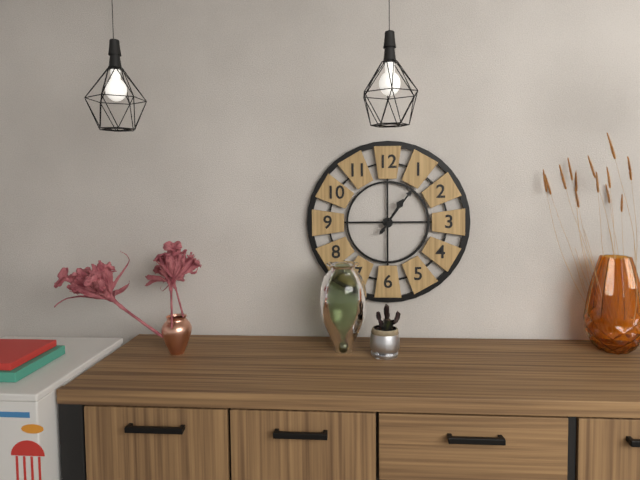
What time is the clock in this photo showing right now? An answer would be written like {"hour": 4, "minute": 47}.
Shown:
{"hour": 1, "minute": 6}
